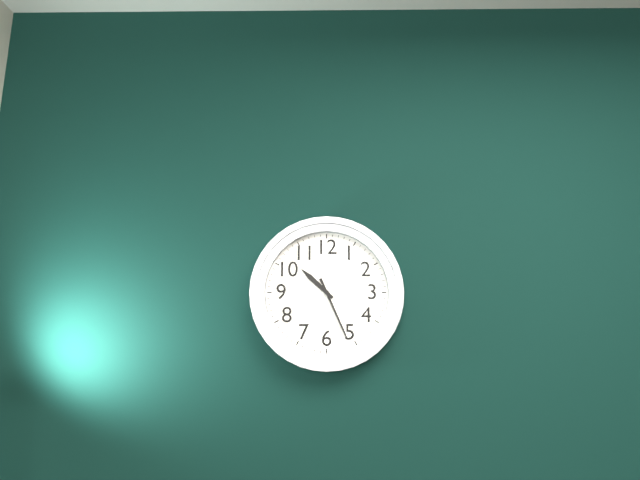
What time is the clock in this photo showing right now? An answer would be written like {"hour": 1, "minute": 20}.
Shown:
{"hour": 10, "minute": 26}
